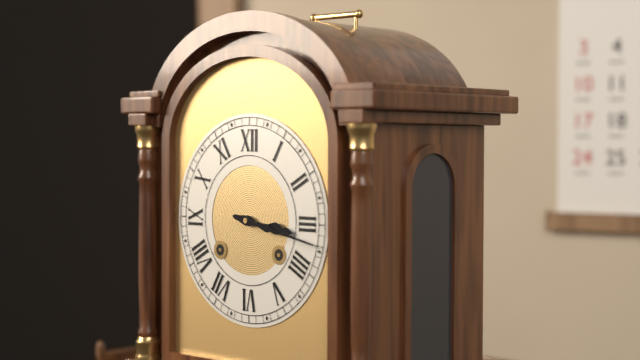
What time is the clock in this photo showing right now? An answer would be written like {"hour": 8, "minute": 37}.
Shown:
{"hour": 3, "minute": 17}
